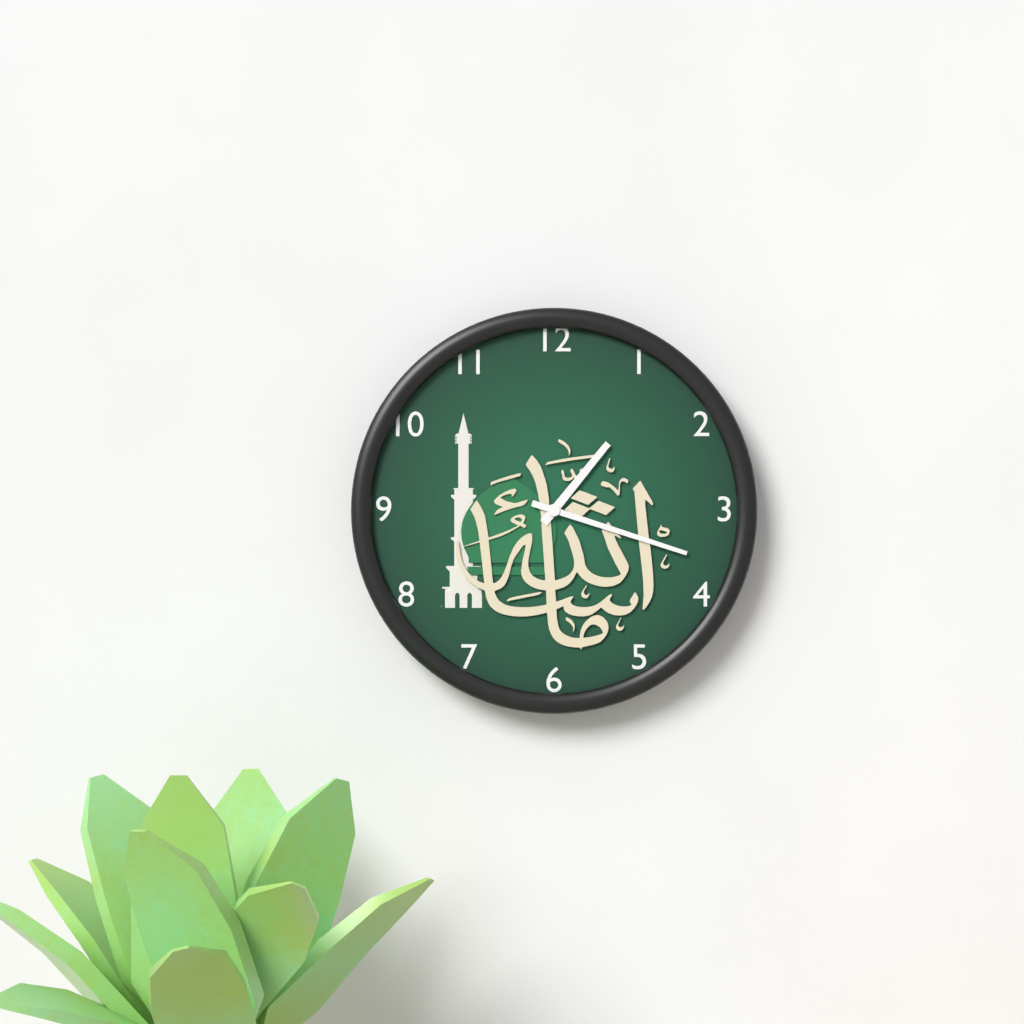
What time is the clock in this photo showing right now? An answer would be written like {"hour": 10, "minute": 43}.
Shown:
{"hour": 1, "minute": 18}
